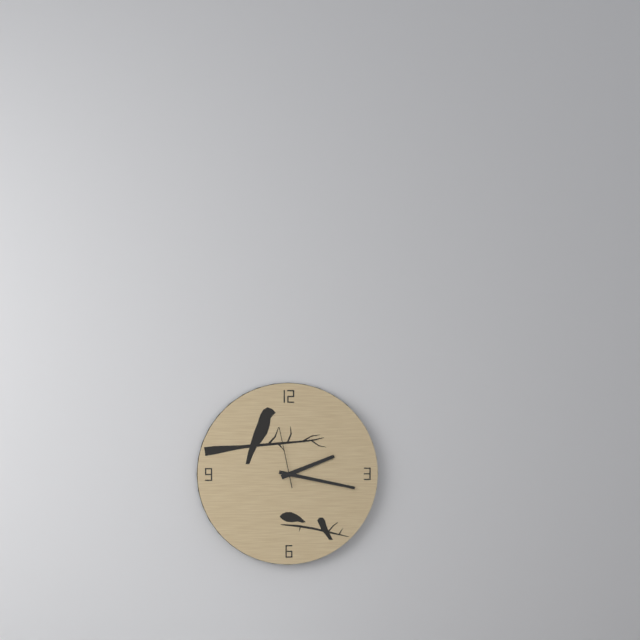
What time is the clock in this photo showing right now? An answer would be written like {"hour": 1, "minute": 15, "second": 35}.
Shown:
{"hour": 2, "minute": 17, "second": 58}
